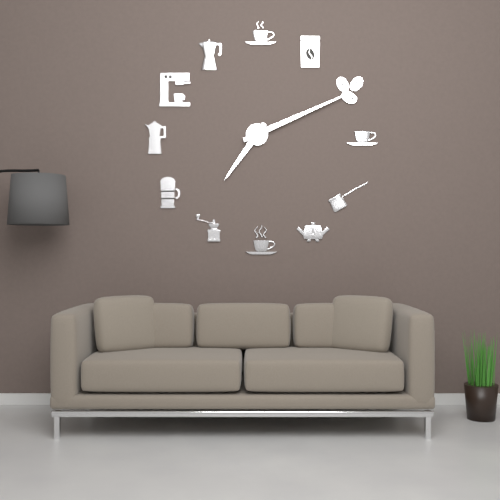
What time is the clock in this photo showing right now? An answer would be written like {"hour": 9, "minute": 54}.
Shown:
{"hour": 7, "minute": 11}
